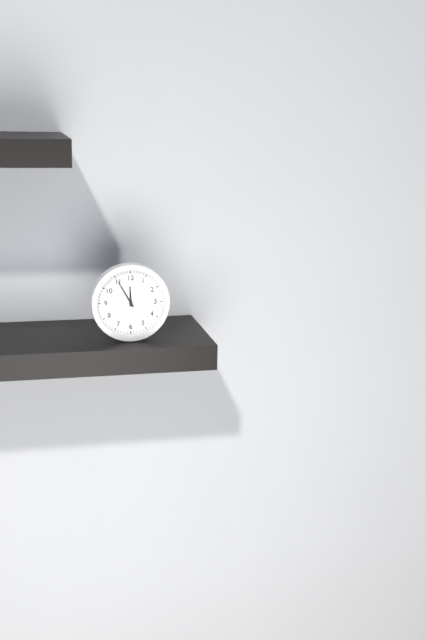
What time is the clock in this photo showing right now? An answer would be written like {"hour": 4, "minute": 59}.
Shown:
{"hour": 11, "minute": 55}
